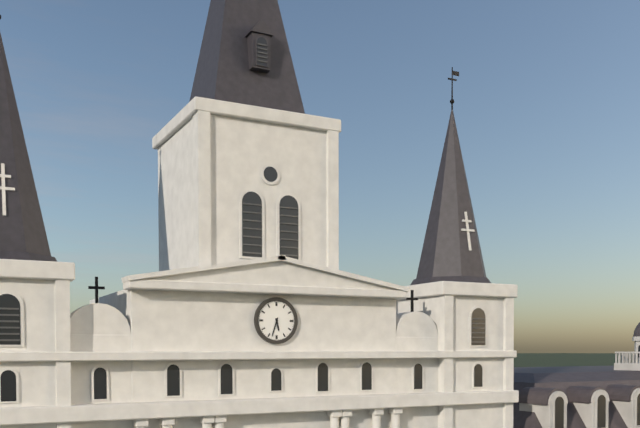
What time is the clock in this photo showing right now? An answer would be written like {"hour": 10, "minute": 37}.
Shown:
{"hour": 5, "minute": 33}
